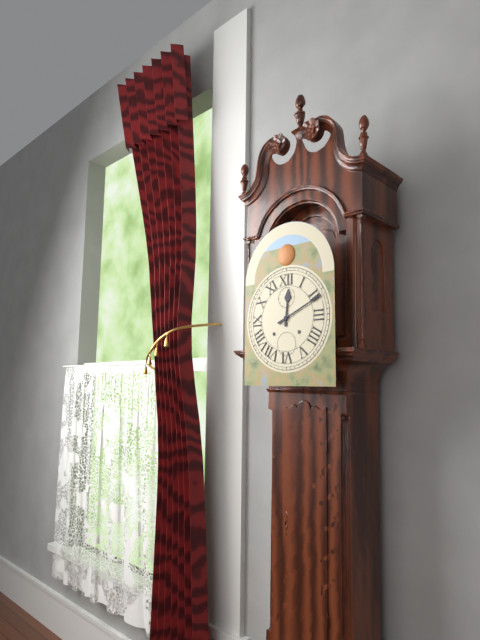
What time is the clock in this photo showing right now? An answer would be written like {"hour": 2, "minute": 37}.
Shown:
{"hour": 12, "minute": 11}
